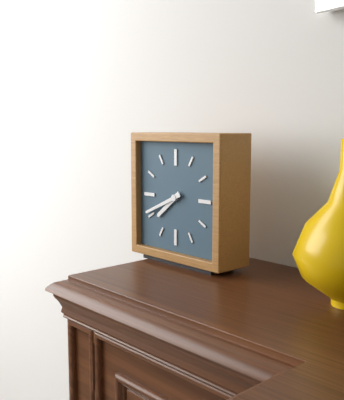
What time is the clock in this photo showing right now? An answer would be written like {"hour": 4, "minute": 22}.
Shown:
{"hour": 7, "minute": 41}
